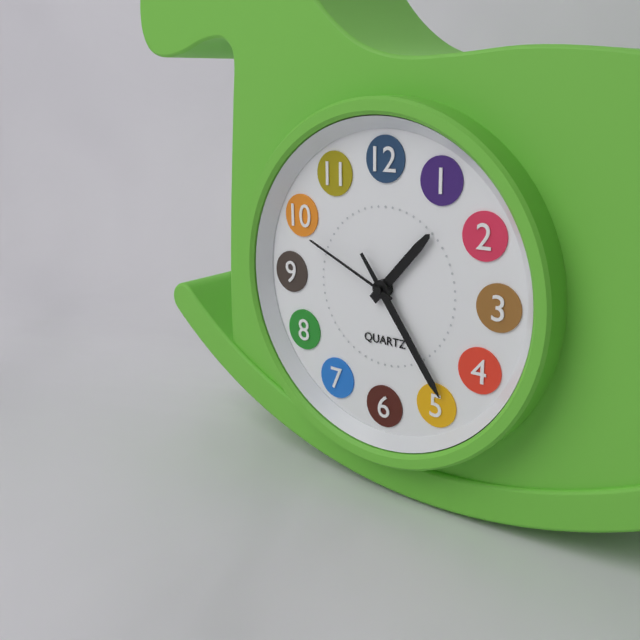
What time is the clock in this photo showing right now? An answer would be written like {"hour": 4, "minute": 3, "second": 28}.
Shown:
{"hour": 1, "minute": 24, "second": 49}
